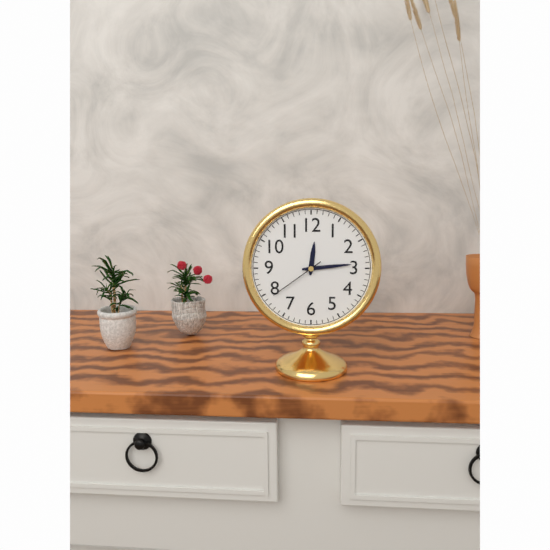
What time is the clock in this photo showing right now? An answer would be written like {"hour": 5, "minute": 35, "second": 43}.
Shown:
{"hour": 12, "minute": 14, "second": 39}
